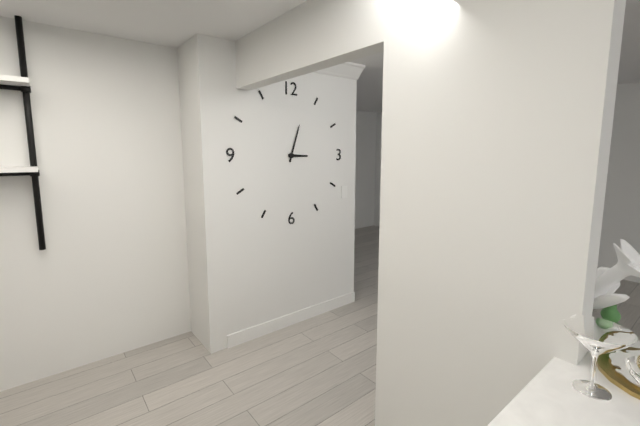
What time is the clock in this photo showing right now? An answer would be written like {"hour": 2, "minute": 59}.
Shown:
{"hour": 3, "minute": 3}
